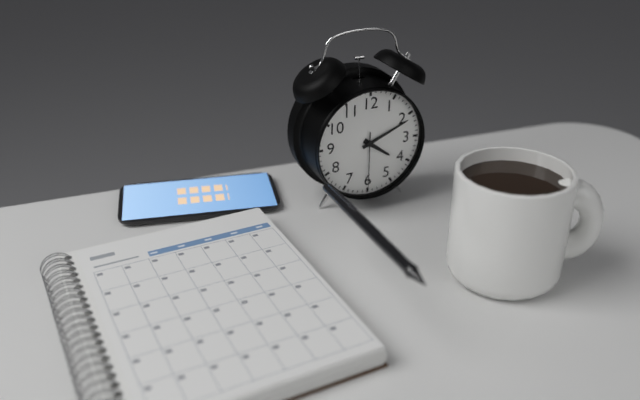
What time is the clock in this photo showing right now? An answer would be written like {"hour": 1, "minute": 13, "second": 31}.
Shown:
{"hour": 4, "minute": 11, "second": 30}
